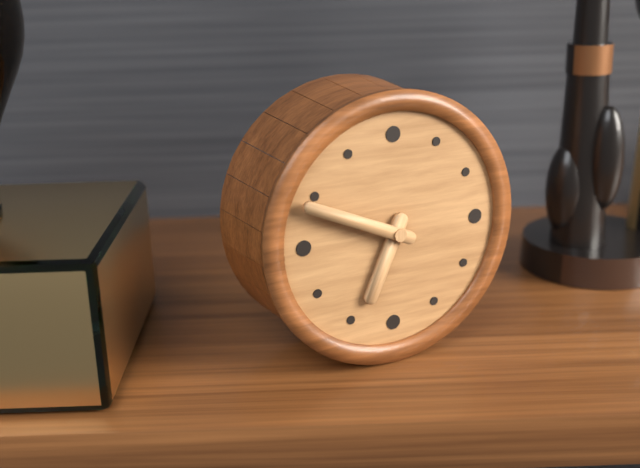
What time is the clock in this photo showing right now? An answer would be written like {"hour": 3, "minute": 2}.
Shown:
{"hour": 6, "minute": 49}
